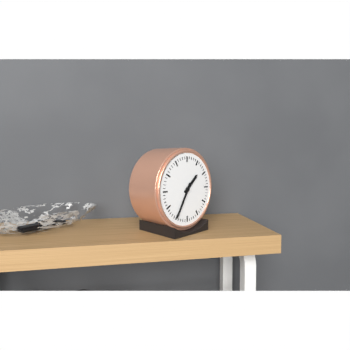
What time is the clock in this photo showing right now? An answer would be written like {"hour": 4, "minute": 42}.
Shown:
{"hour": 1, "minute": 35}
